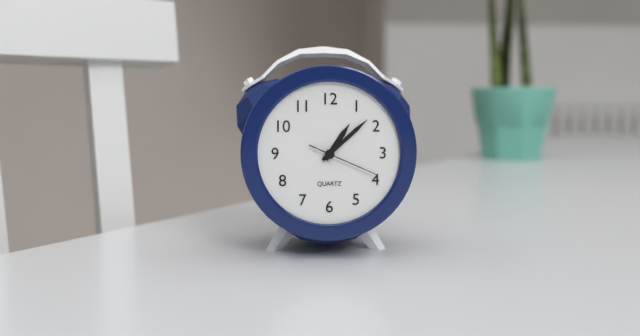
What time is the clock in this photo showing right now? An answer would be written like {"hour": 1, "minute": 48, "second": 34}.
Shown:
{"hour": 1, "minute": 8, "second": 19}
